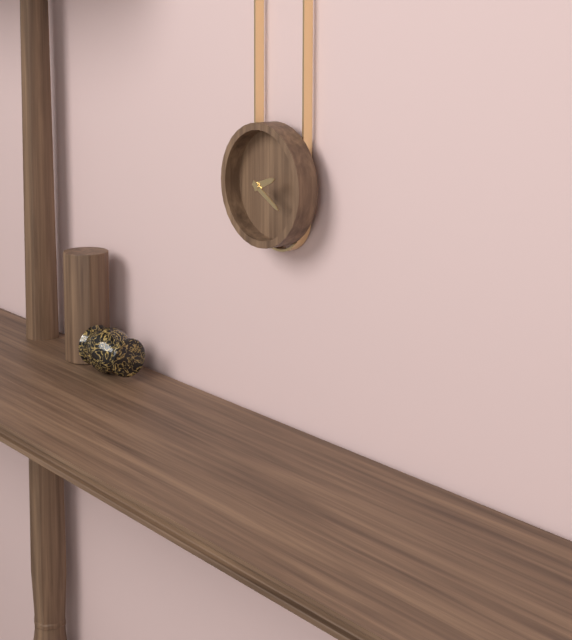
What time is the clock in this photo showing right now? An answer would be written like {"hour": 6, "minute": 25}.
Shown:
{"hour": 2, "minute": 20}
